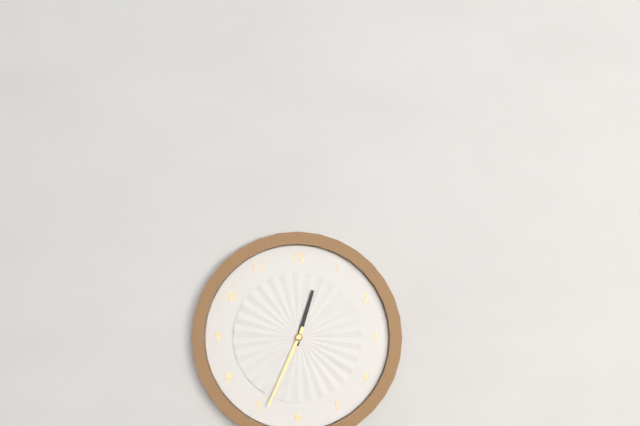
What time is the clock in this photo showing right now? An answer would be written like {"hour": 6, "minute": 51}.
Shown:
{"hour": 12, "minute": 34}
